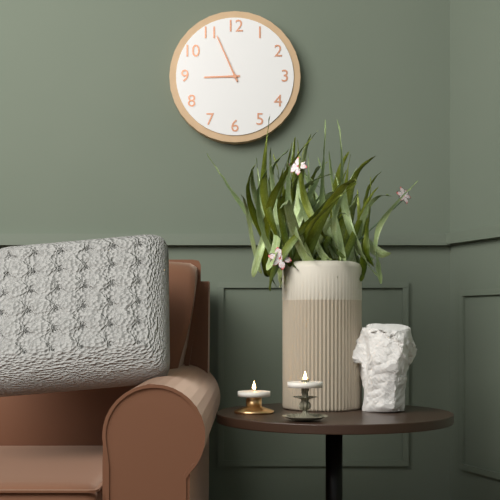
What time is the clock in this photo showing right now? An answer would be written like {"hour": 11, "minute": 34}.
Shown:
{"hour": 8, "minute": 56}
